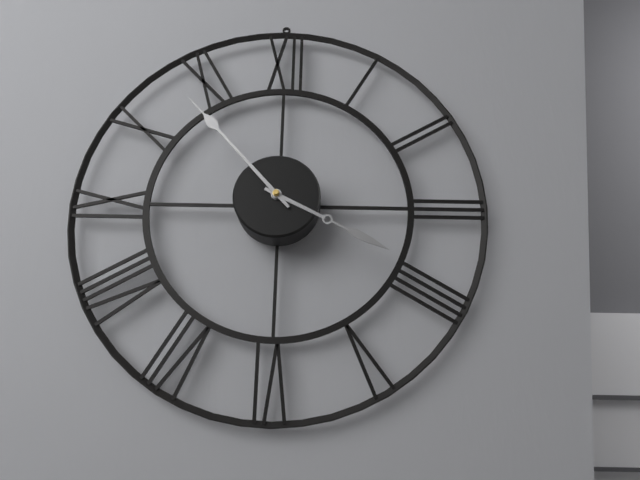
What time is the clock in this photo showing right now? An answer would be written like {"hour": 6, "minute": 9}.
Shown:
{"hour": 3, "minute": 53}
